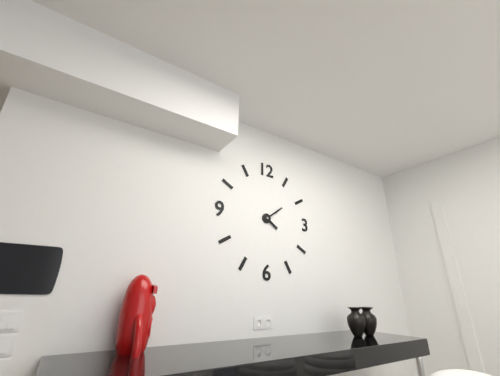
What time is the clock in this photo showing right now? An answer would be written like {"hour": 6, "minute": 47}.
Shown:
{"hour": 4, "minute": 9}
